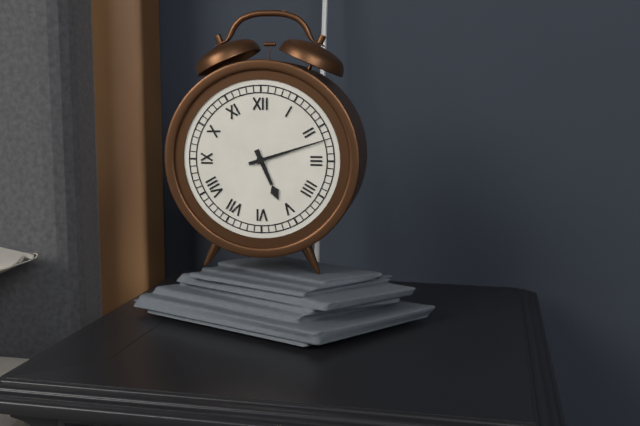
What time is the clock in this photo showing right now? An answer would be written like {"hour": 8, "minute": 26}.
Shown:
{"hour": 5, "minute": 12}
